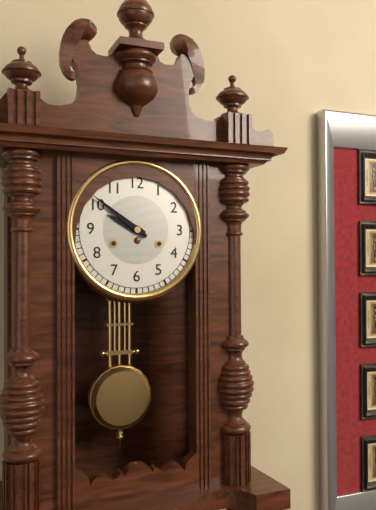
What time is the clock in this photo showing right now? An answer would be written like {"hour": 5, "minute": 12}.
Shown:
{"hour": 9, "minute": 51}
